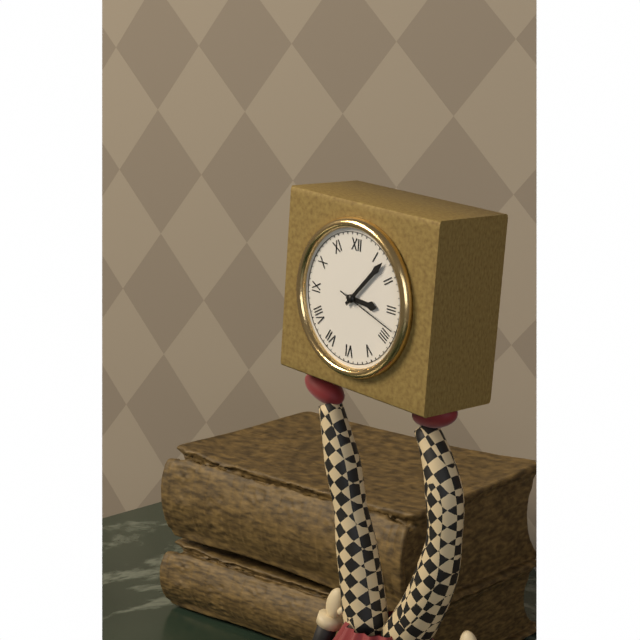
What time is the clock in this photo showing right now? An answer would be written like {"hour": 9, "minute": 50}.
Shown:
{"hour": 3, "minute": 7}
